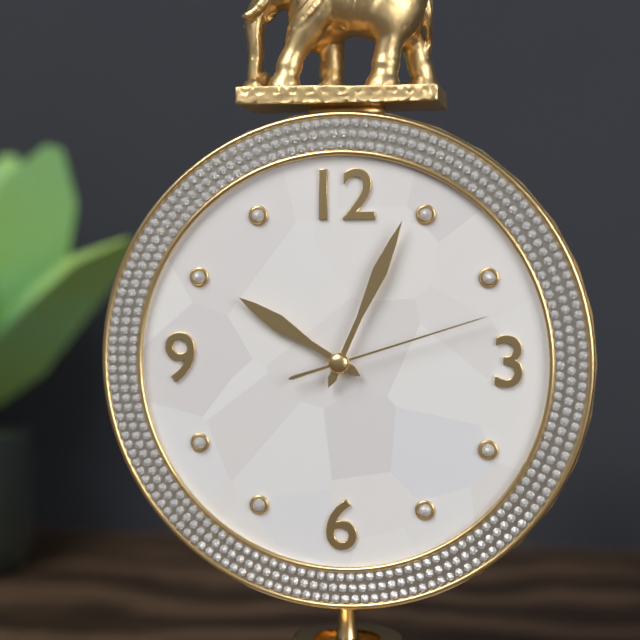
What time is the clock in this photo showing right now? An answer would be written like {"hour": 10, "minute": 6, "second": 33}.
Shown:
{"hour": 10, "minute": 4, "second": 12}
